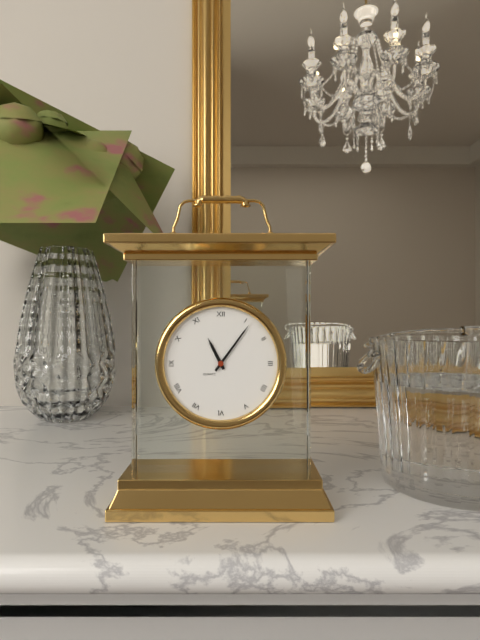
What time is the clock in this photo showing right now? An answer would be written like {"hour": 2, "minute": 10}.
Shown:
{"hour": 11, "minute": 6}
